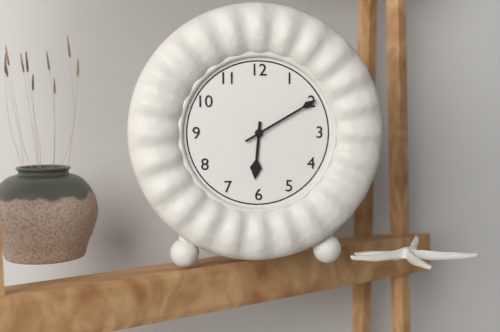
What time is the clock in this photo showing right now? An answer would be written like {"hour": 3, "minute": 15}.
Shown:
{"hour": 6, "minute": 10}
